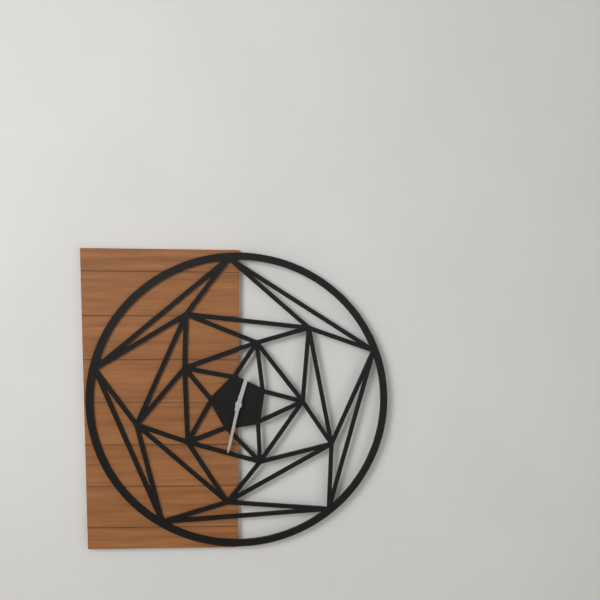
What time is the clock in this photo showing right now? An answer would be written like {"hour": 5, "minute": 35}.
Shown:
{"hour": 12, "minute": 32}
